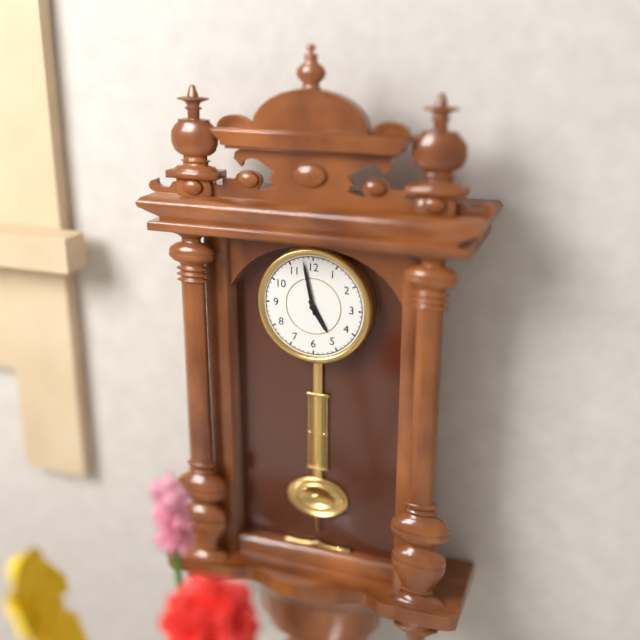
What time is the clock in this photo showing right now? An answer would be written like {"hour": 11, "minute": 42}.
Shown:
{"hour": 4, "minute": 58}
